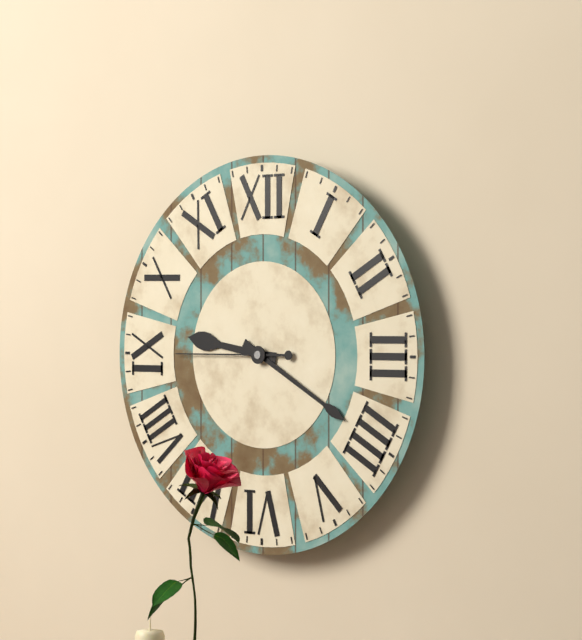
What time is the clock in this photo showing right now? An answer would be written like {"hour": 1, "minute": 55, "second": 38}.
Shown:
{"hour": 9, "minute": 20, "second": 45}
